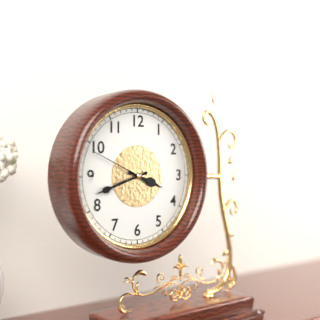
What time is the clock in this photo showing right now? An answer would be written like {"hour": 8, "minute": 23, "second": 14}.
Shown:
{"hour": 3, "minute": 42, "second": 49}
